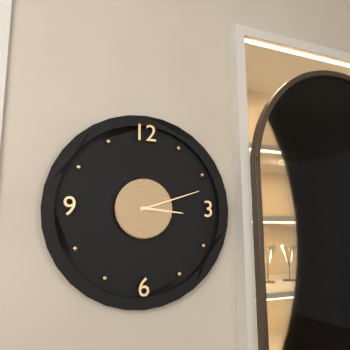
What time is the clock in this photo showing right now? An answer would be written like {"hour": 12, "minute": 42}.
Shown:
{"hour": 3, "minute": 12}
